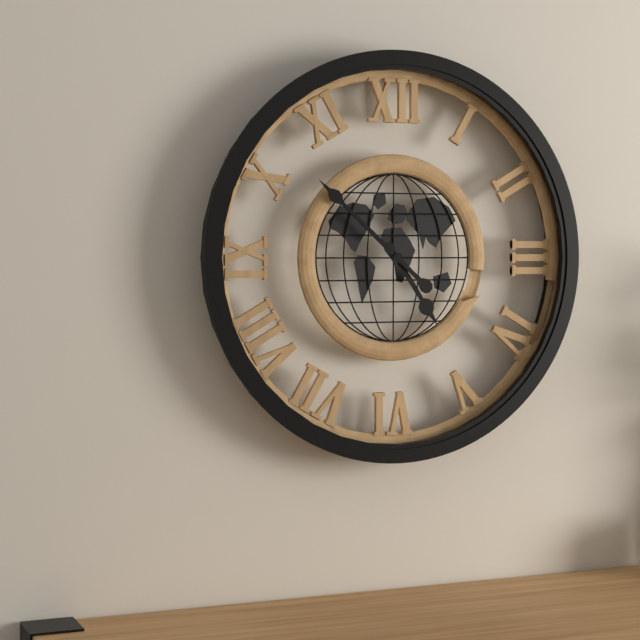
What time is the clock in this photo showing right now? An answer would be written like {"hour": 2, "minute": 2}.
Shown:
{"hour": 4, "minute": 52}
